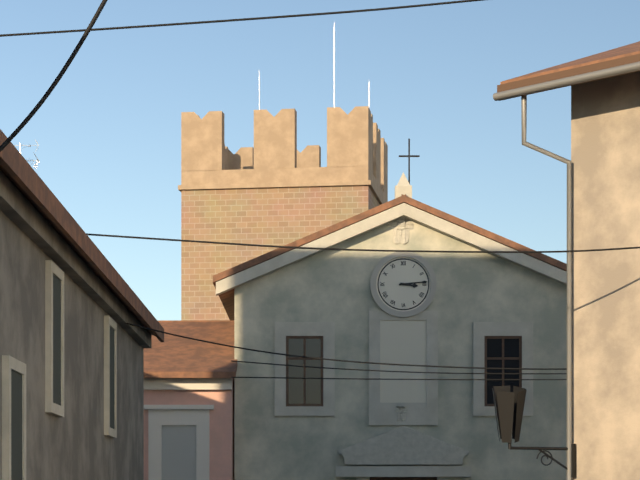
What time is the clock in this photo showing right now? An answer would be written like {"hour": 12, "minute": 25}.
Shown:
{"hour": 3, "minute": 14}
